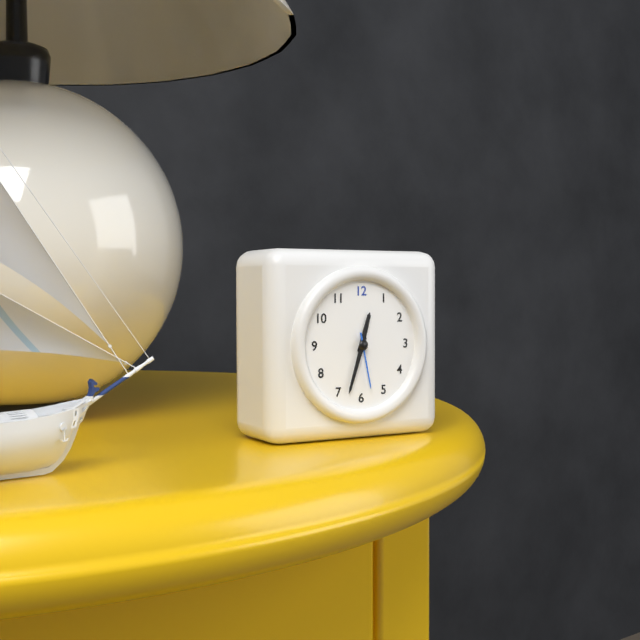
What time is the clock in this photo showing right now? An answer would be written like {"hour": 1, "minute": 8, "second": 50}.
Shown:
{"hour": 12, "minute": 33, "second": 28}
